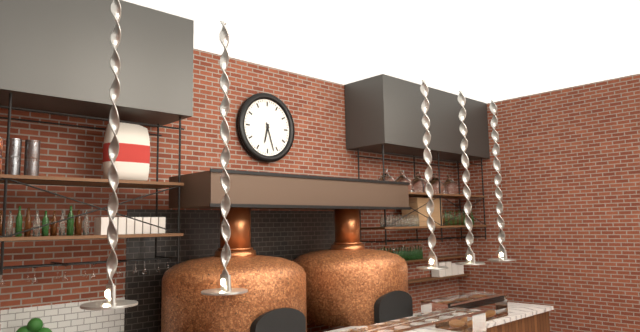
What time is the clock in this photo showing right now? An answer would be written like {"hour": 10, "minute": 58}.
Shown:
{"hour": 6, "minute": 27}
